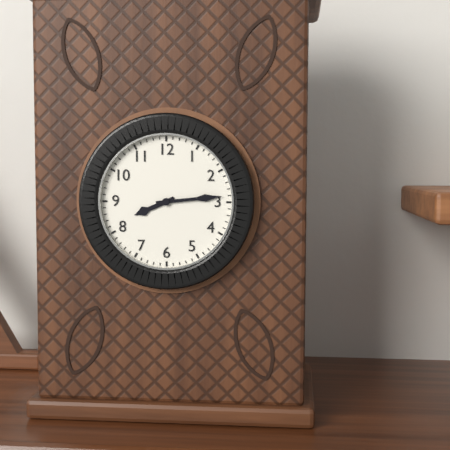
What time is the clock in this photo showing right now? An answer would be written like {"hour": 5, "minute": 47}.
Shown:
{"hour": 8, "minute": 14}
